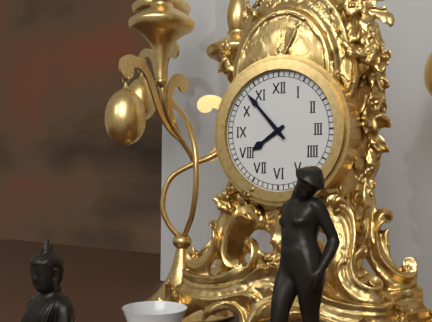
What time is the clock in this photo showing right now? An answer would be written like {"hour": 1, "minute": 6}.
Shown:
{"hour": 7, "minute": 53}
